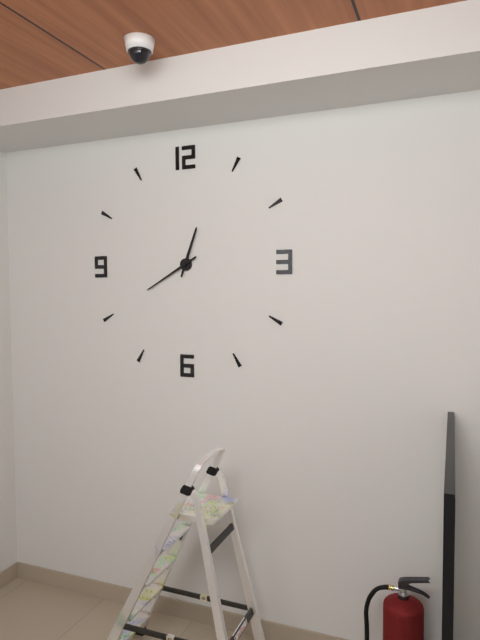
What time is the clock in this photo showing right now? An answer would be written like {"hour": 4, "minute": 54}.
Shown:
{"hour": 12, "minute": 40}
